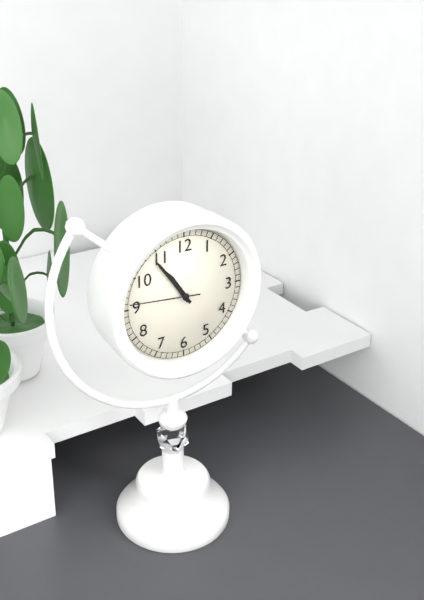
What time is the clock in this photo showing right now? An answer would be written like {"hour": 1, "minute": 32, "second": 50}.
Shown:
{"hour": 10, "minute": 54, "second": 46}
